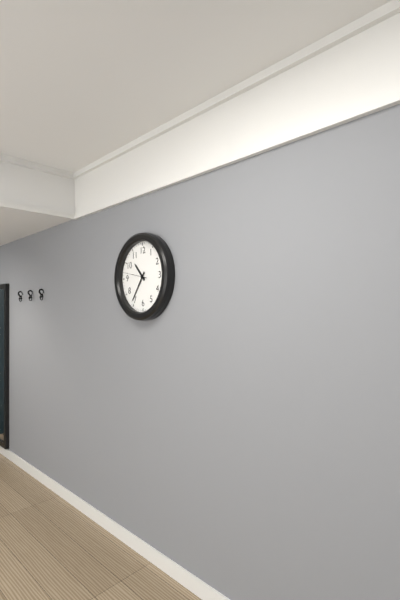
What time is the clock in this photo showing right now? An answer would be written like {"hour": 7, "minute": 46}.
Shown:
{"hour": 10, "minute": 36}
